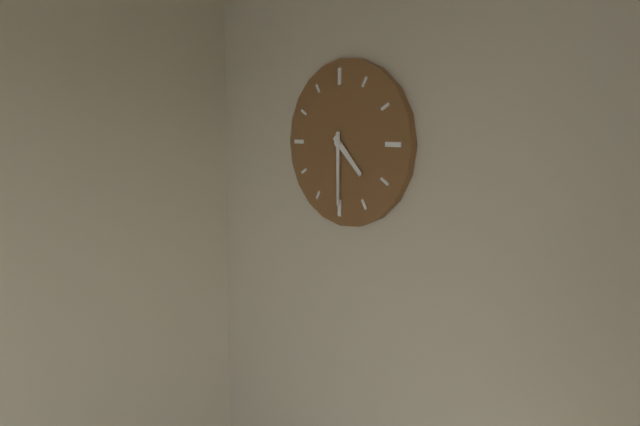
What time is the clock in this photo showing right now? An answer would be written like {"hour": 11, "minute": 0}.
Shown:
{"hour": 4, "minute": 30}
